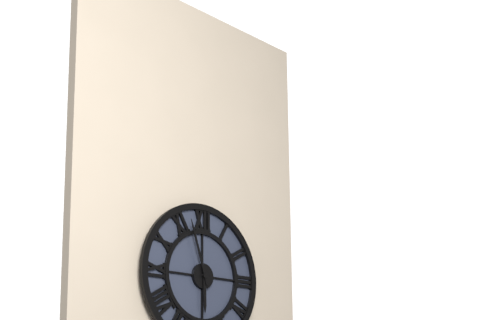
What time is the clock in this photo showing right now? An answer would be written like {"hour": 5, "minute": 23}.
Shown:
{"hour": 5, "minute": 57}
